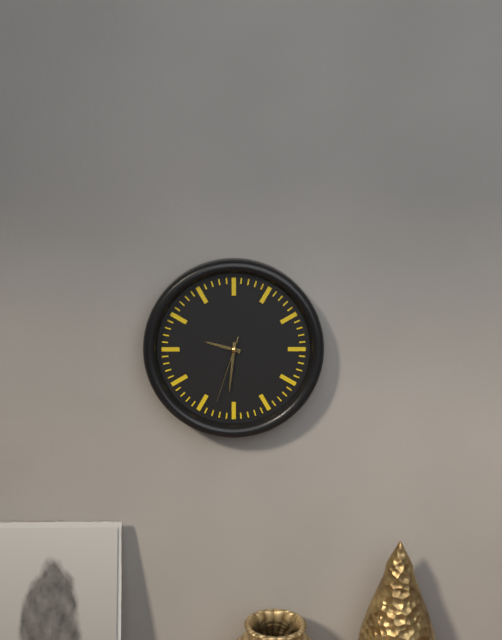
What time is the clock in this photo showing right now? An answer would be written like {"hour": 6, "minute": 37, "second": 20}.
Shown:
{"hour": 9, "minute": 31, "second": 33}
